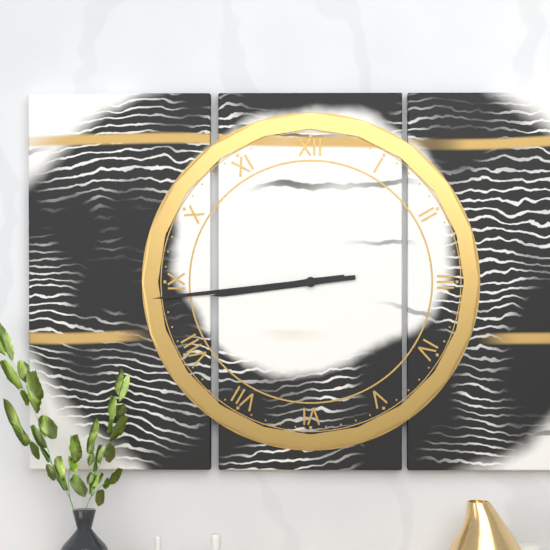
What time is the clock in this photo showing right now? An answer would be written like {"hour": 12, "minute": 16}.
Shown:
{"hour": 8, "minute": 44}
